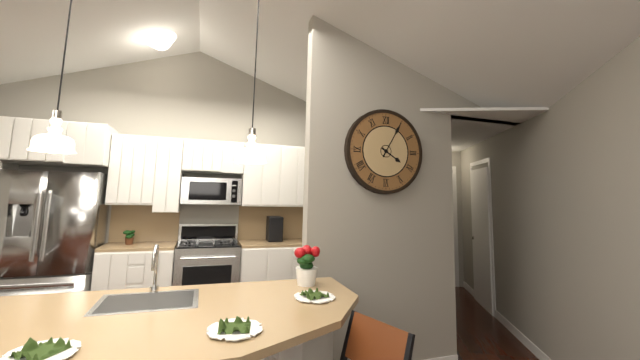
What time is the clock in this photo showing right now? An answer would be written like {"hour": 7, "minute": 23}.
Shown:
{"hour": 4, "minute": 5}
